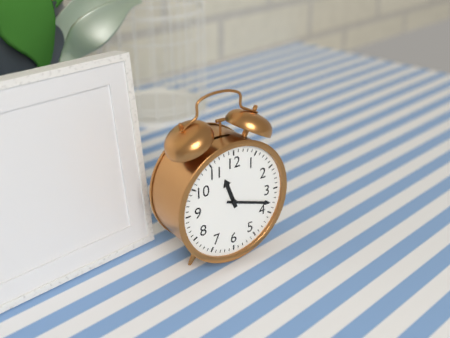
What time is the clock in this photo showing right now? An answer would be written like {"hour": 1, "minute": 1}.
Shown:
{"hour": 11, "minute": 18}
